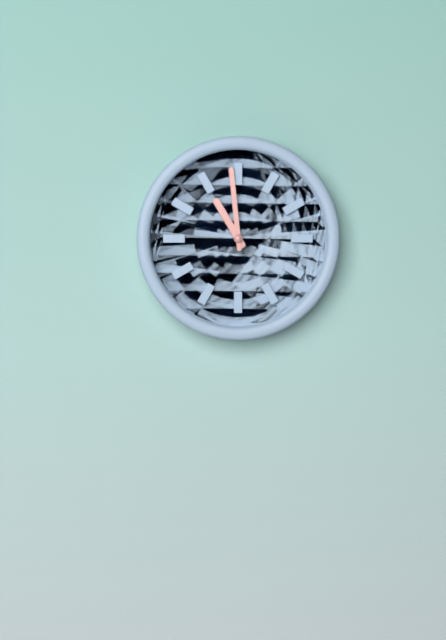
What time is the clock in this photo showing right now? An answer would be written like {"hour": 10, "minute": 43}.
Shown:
{"hour": 10, "minute": 59}
